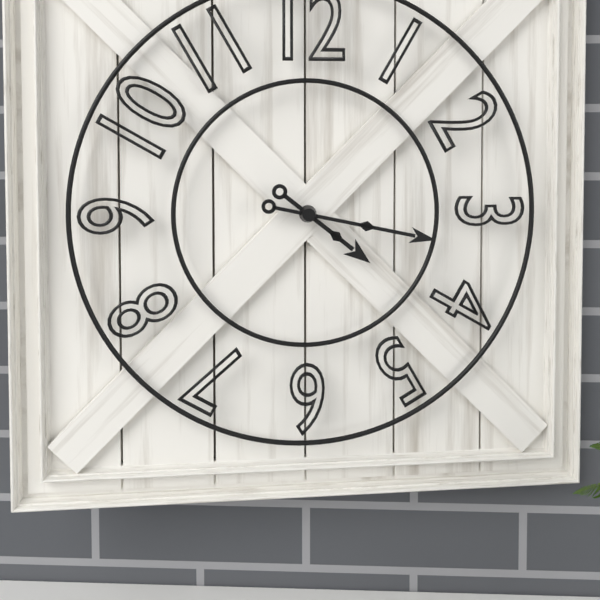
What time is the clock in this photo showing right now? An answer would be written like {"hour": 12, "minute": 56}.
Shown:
{"hour": 4, "minute": 17}
